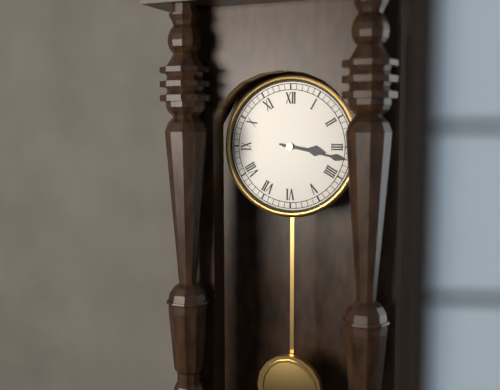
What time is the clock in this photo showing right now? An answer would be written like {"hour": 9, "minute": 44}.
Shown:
{"hour": 3, "minute": 17}
